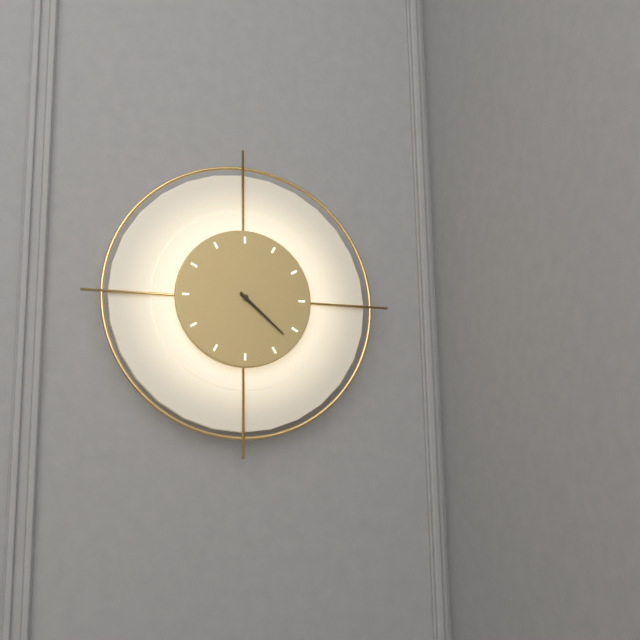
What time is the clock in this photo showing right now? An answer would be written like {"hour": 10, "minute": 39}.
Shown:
{"hour": 4, "minute": 22}
